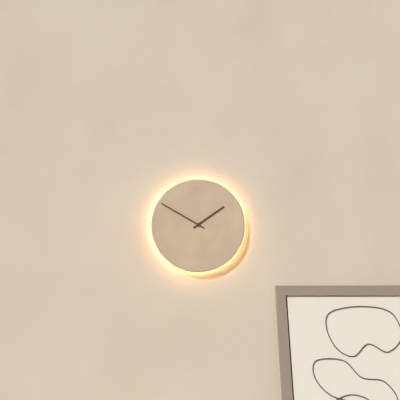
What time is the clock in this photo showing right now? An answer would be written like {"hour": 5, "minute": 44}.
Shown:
{"hour": 1, "minute": 50}
